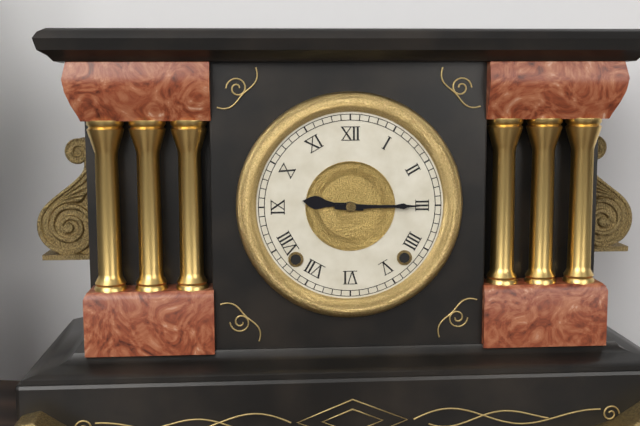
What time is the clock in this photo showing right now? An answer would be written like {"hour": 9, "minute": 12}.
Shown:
{"hour": 9, "minute": 15}
